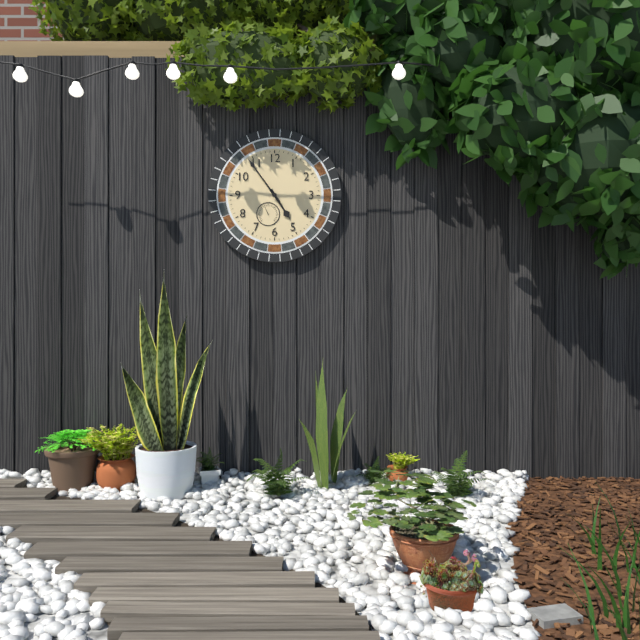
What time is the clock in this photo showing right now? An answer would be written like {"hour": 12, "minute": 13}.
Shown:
{"hour": 4, "minute": 54}
